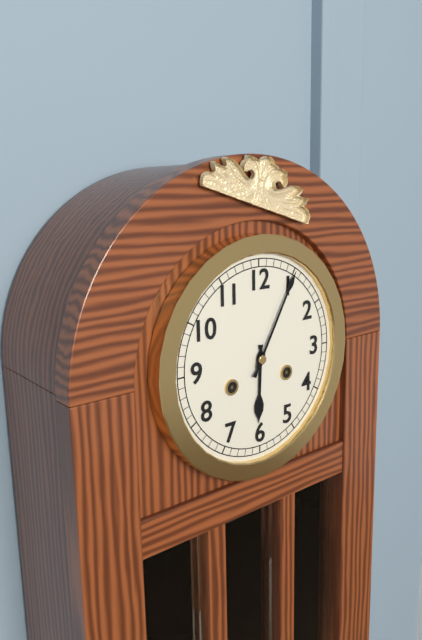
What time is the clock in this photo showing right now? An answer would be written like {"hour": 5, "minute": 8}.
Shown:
{"hour": 6, "minute": 5}
